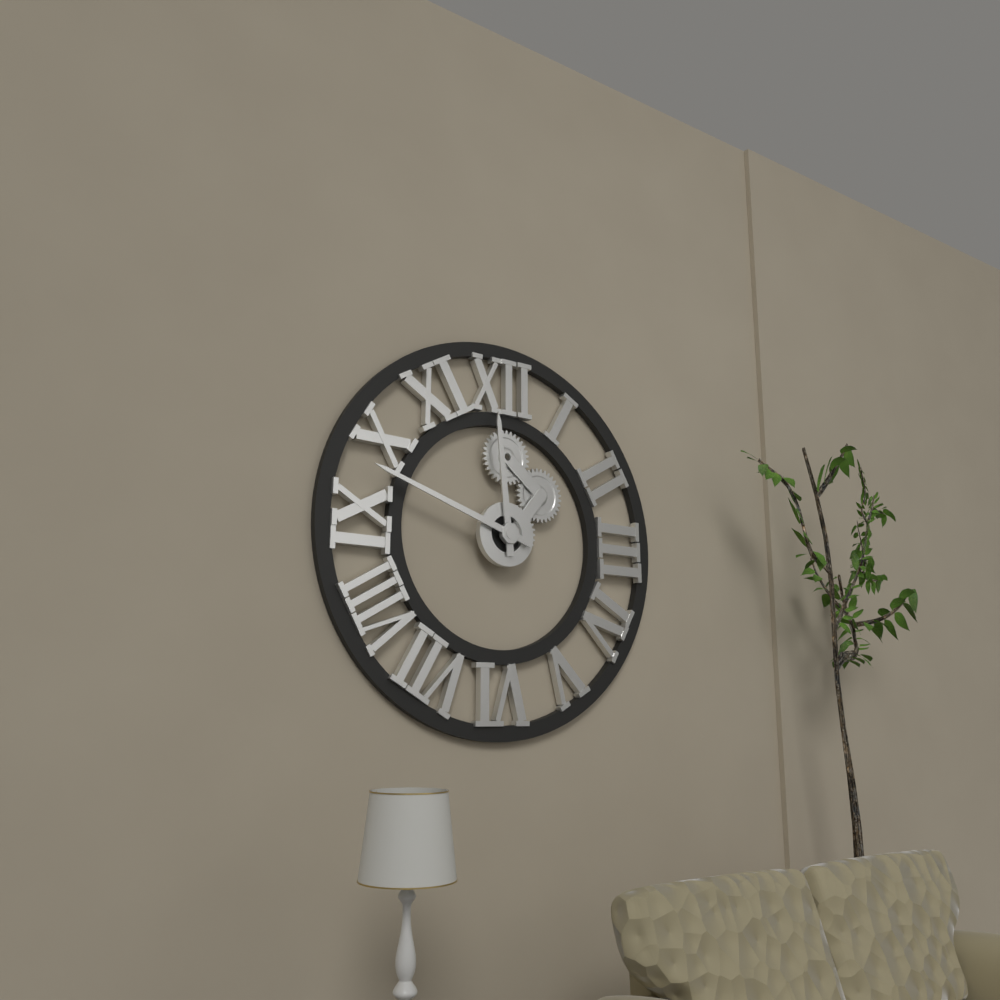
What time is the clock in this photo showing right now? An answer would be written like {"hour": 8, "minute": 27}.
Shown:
{"hour": 11, "minute": 48}
